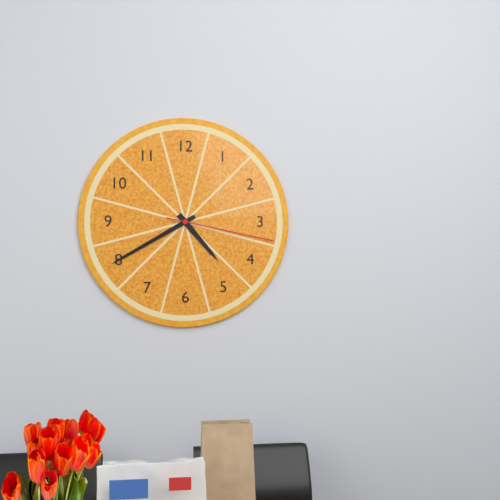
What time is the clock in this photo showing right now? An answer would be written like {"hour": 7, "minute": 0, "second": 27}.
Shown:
{"hour": 4, "minute": 40, "second": 17}
